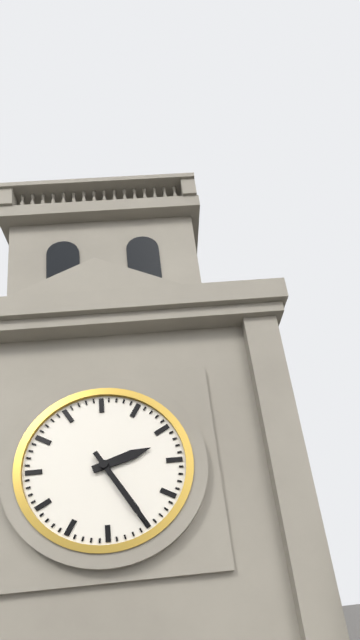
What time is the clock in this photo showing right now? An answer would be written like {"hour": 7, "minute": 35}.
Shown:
{"hour": 2, "minute": 25}
